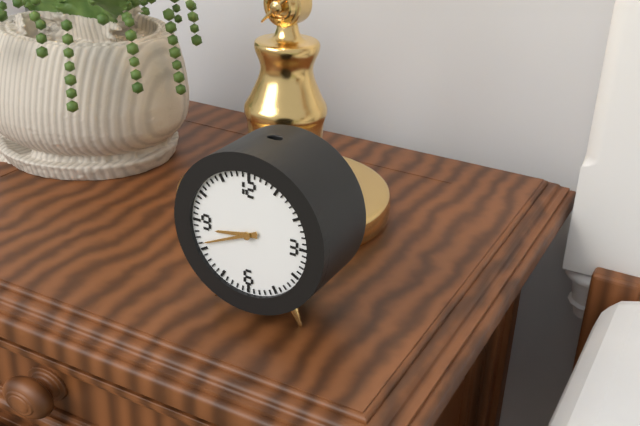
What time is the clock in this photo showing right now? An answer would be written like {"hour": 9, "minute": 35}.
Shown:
{"hour": 8, "minute": 41}
